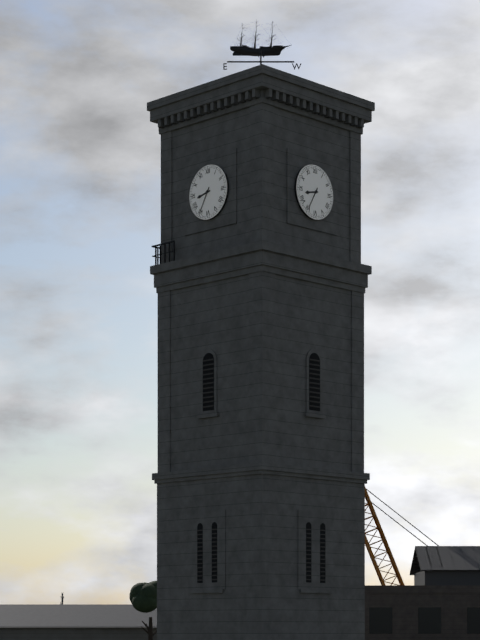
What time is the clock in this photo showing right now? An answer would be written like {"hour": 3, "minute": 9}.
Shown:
{"hour": 8, "minute": 35}
